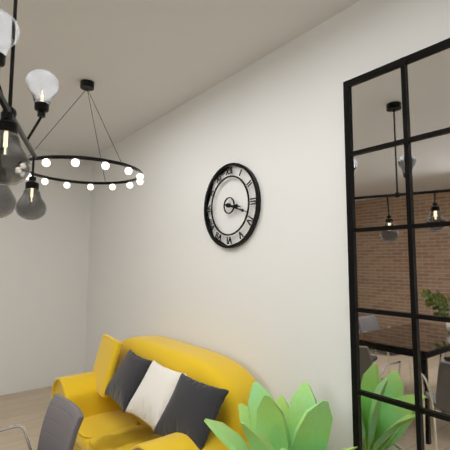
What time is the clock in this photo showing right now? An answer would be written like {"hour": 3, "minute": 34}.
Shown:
{"hour": 3, "minute": 18}
